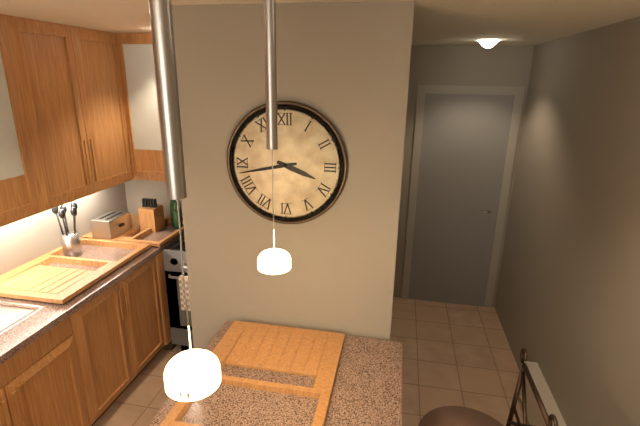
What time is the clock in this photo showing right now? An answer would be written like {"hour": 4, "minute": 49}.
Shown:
{"hour": 3, "minute": 43}
